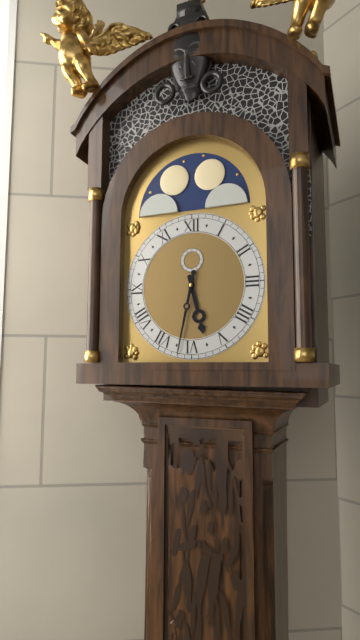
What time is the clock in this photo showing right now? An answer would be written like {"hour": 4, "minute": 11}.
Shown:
{"hour": 5, "minute": 32}
